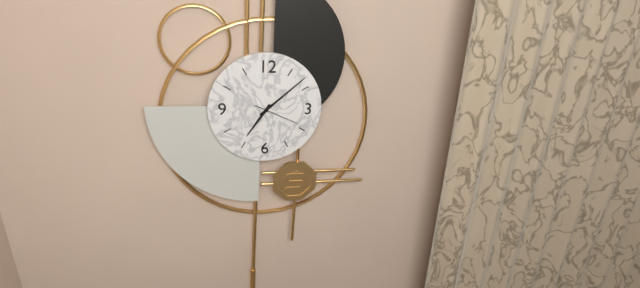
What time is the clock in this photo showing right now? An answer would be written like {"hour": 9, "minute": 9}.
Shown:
{"hour": 7, "minute": 8}
